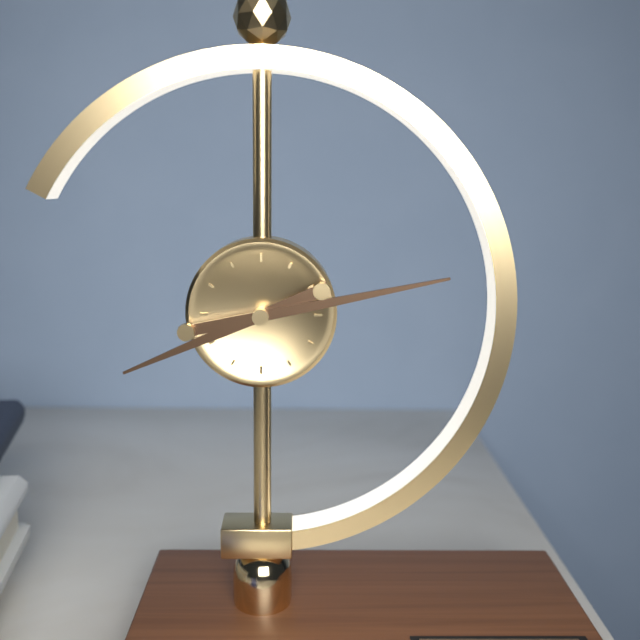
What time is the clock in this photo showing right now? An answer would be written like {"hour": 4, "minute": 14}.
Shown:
{"hour": 8, "minute": 13}
